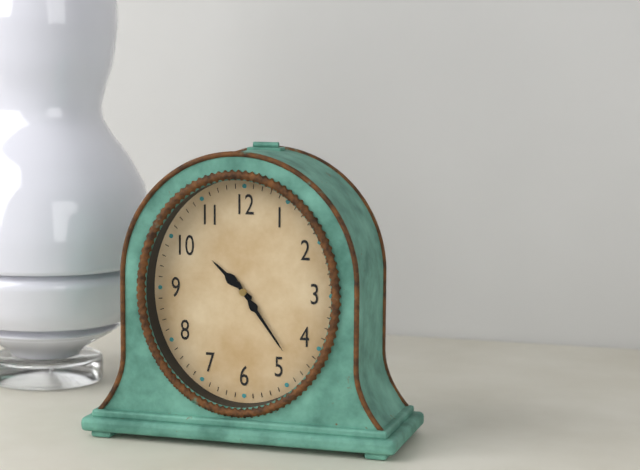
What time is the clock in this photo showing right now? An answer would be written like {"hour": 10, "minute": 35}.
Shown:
{"hour": 10, "minute": 24}
